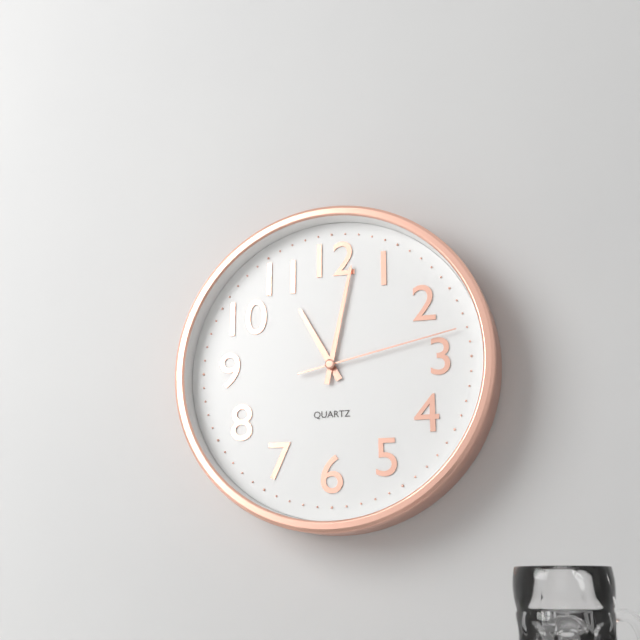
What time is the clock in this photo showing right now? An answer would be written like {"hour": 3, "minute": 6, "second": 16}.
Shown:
{"hour": 11, "minute": 2, "second": 13}
